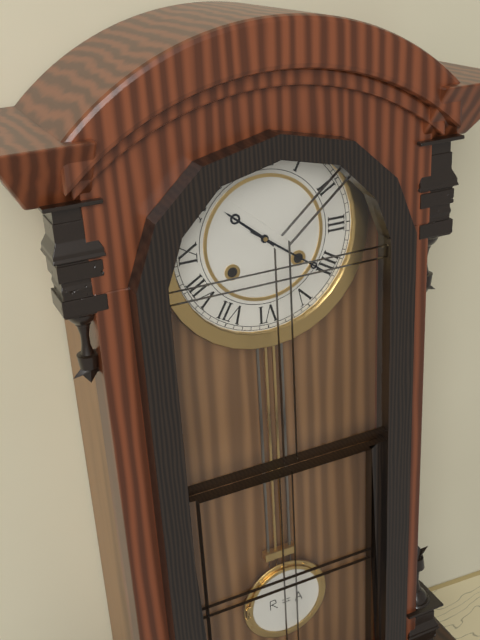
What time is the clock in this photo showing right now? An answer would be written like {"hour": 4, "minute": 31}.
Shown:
{"hour": 10, "minute": 21}
